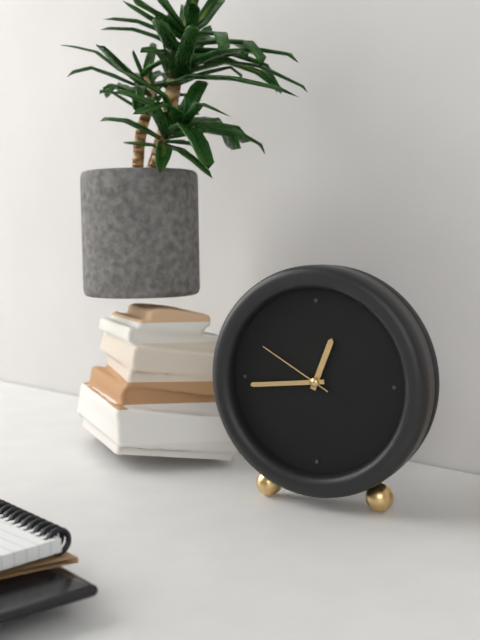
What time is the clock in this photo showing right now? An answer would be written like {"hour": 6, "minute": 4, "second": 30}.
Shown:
{"hour": 12, "minute": 44, "second": 50}
